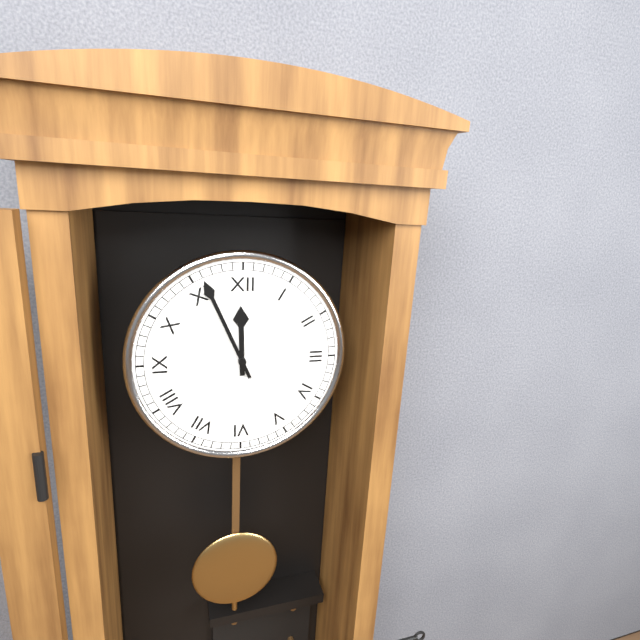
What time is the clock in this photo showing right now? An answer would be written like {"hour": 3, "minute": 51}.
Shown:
{"hour": 11, "minute": 56}
